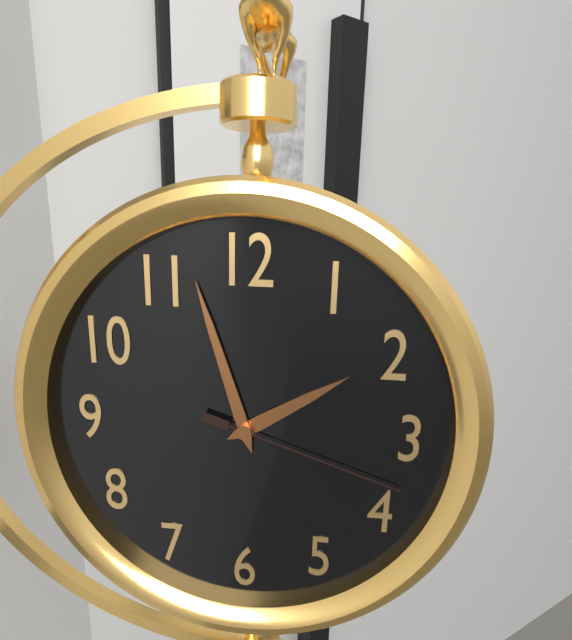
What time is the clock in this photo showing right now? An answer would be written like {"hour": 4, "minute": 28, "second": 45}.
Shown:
{"hour": 1, "minute": 57, "second": 18}
